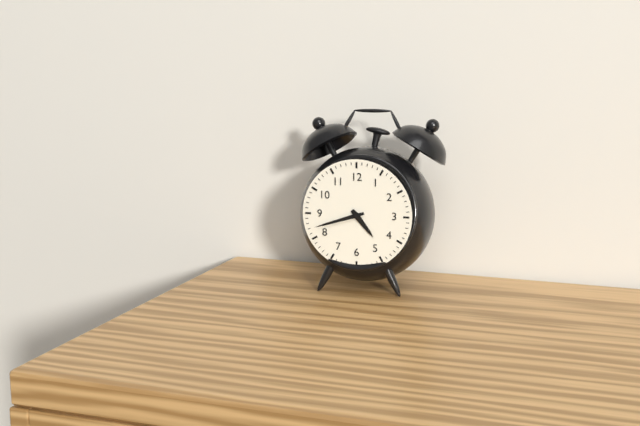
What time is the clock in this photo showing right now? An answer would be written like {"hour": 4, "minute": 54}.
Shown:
{"hour": 4, "minute": 42}
